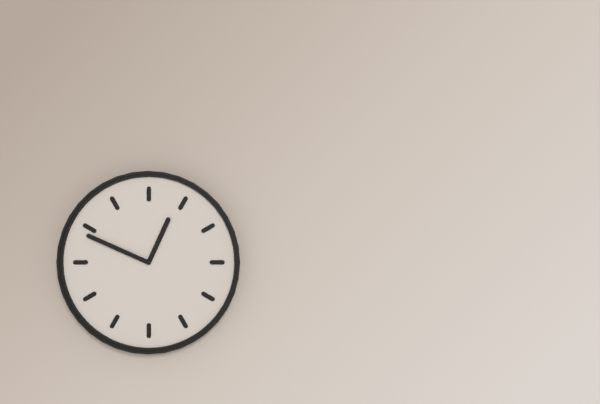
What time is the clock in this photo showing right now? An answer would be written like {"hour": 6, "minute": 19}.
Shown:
{"hour": 12, "minute": 49}
